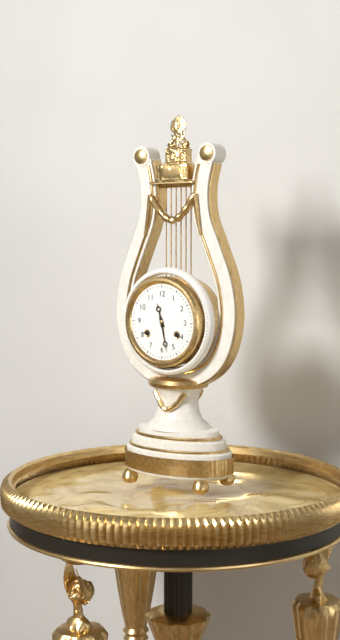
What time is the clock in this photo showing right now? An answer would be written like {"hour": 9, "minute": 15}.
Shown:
{"hour": 11, "minute": 28}
